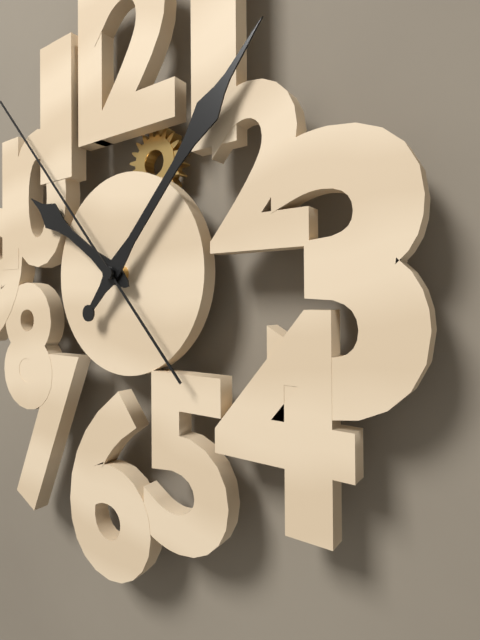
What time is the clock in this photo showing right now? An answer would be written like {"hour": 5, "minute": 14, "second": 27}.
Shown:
{"hour": 10, "minute": 7, "second": 53}
